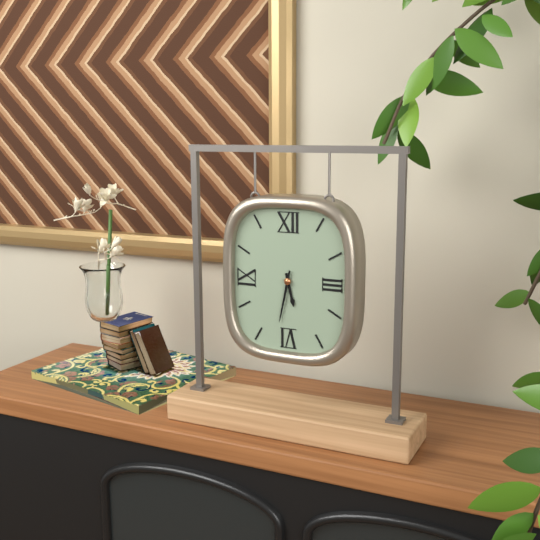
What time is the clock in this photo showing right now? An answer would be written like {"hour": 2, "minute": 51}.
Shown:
{"hour": 5, "minute": 32}
